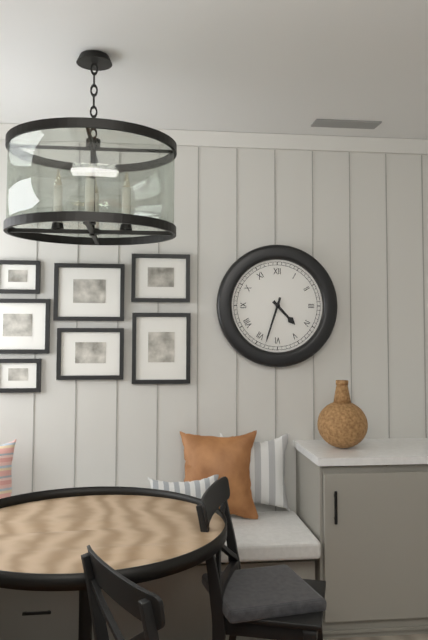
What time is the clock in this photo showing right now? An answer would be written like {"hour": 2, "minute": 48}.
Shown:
{"hour": 4, "minute": 33}
